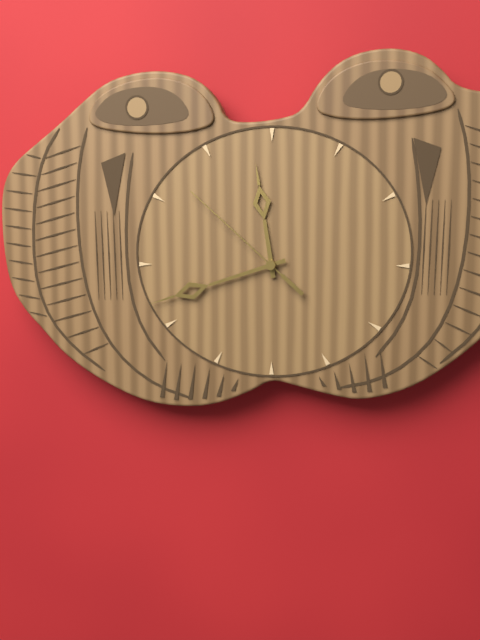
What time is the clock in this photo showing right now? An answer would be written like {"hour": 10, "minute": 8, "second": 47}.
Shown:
{"hour": 11, "minute": 42, "second": 52}
